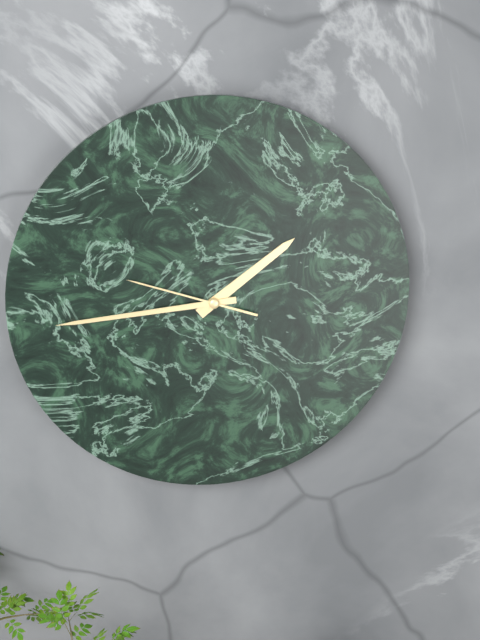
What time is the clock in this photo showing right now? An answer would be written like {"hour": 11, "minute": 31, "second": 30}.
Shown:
{"hour": 1, "minute": 44, "second": 48}
